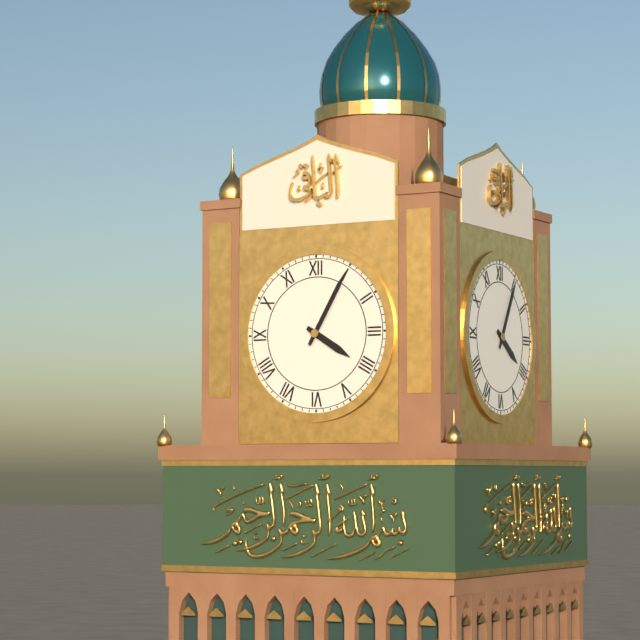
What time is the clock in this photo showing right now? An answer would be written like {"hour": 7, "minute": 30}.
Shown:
{"hour": 4, "minute": 5}
